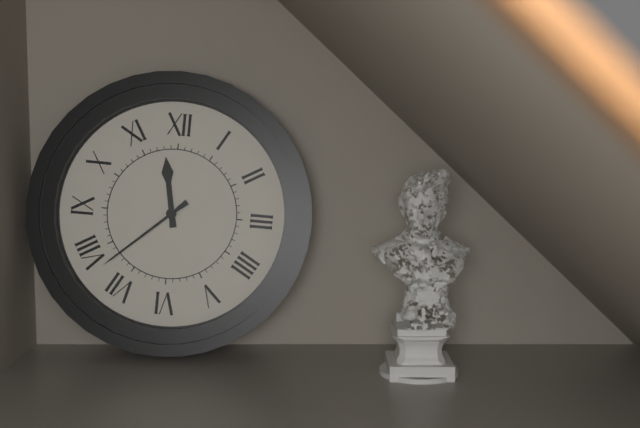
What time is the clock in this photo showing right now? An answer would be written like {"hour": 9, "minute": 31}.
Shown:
{"hour": 11, "minute": 38}
